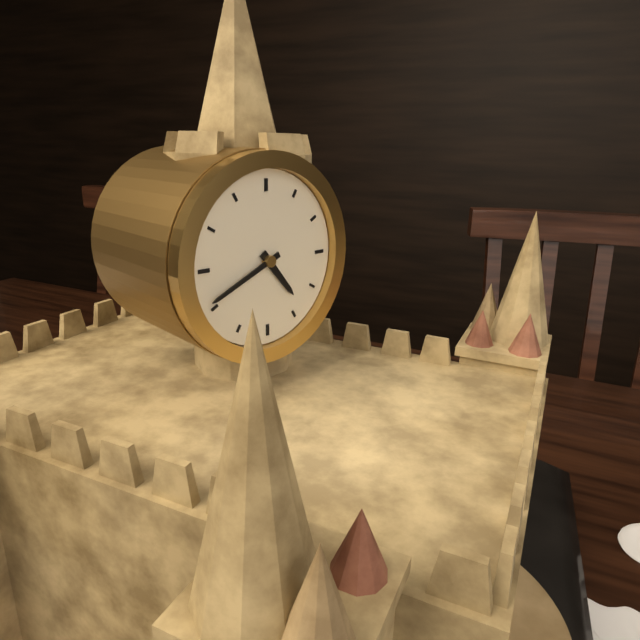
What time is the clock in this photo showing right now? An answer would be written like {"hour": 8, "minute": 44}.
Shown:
{"hour": 4, "minute": 41}
